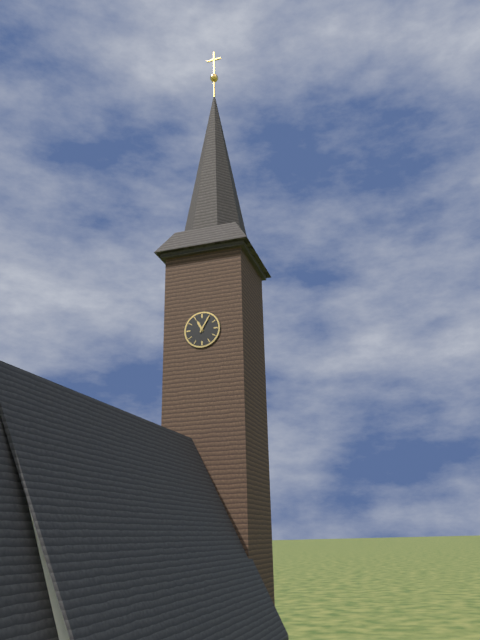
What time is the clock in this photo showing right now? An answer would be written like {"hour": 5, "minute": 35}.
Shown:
{"hour": 11, "minute": 5}
